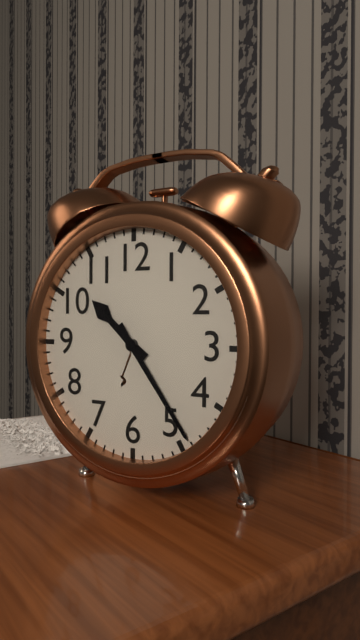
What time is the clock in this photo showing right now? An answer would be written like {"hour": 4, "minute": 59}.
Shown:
{"hour": 10, "minute": 24}
